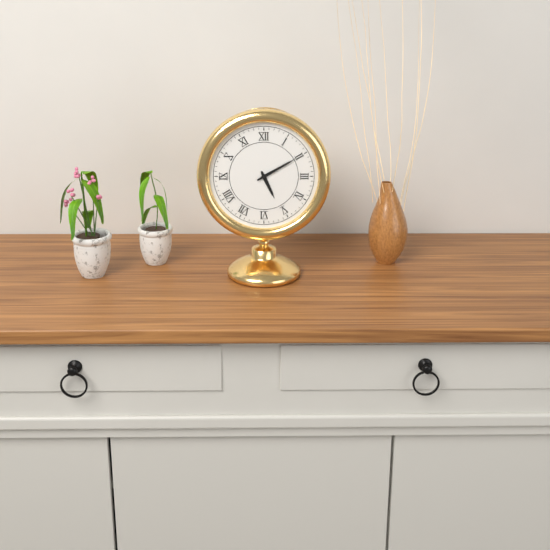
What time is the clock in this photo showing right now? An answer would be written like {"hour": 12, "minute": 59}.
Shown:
{"hour": 5, "minute": 10}
